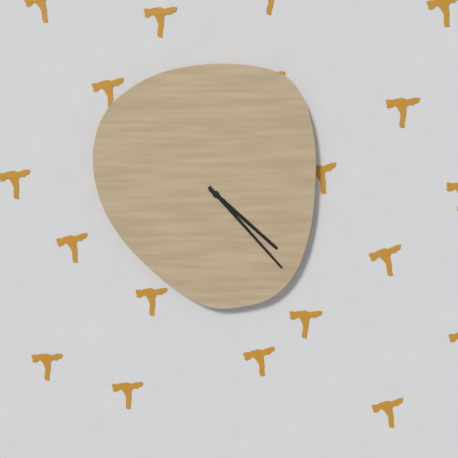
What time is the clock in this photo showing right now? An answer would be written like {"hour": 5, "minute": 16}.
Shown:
{"hour": 4, "minute": 23}
